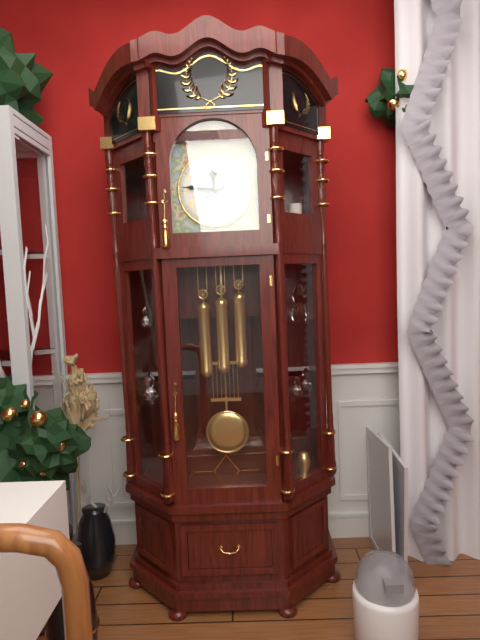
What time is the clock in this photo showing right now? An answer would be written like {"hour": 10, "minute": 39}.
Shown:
{"hour": 11, "minute": 46}
